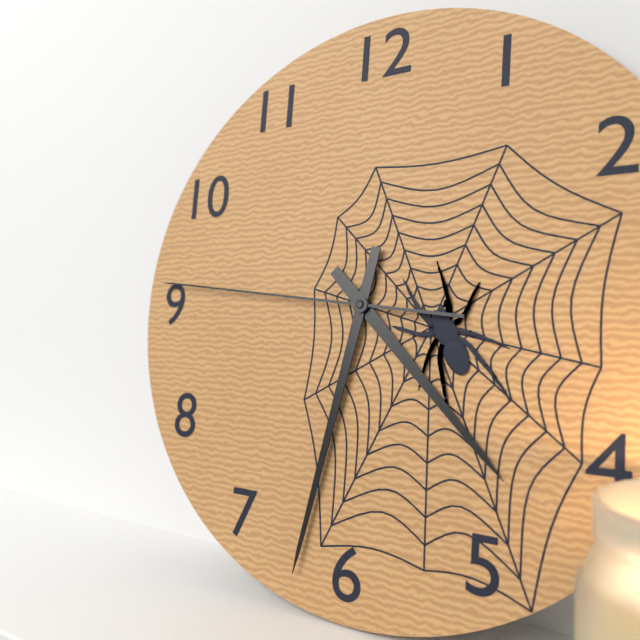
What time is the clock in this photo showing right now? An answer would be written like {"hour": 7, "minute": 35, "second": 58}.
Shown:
{"hour": 4, "minute": 32, "second": 46}
